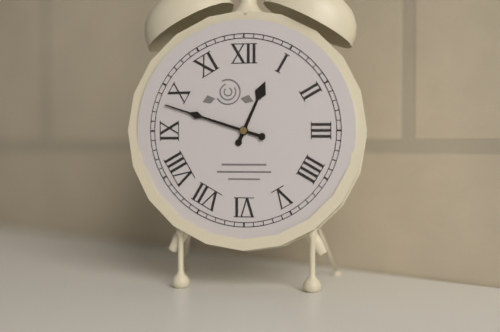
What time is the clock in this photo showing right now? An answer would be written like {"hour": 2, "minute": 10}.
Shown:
{"hour": 12, "minute": 48}
